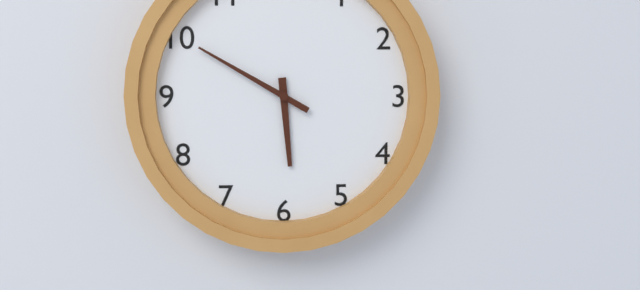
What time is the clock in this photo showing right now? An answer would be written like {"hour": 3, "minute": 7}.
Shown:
{"hour": 5, "minute": 50}
